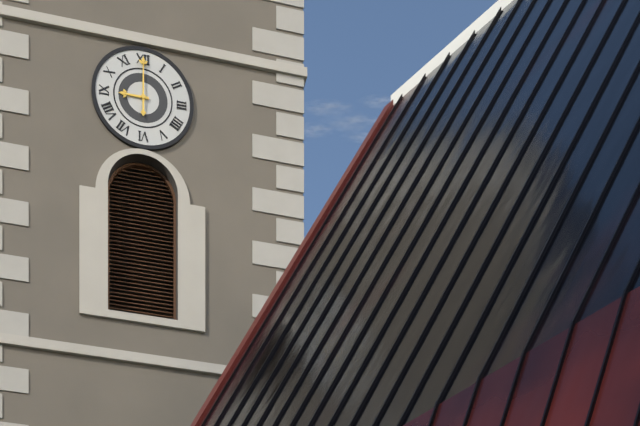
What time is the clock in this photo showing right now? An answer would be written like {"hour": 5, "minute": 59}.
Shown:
{"hour": 9, "minute": 0}
